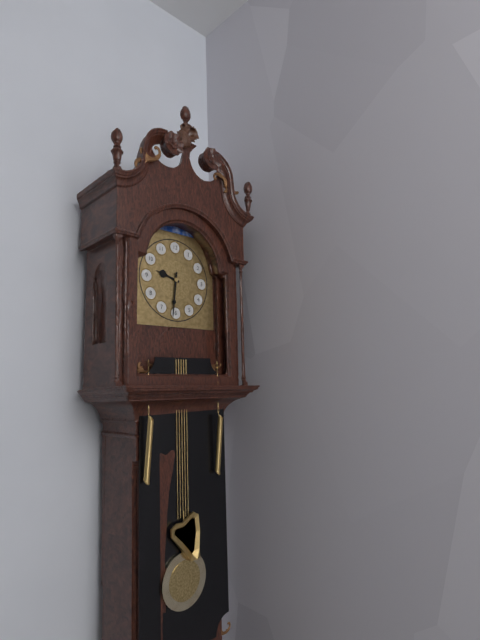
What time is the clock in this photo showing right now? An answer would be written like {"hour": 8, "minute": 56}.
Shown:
{"hour": 9, "minute": 31}
